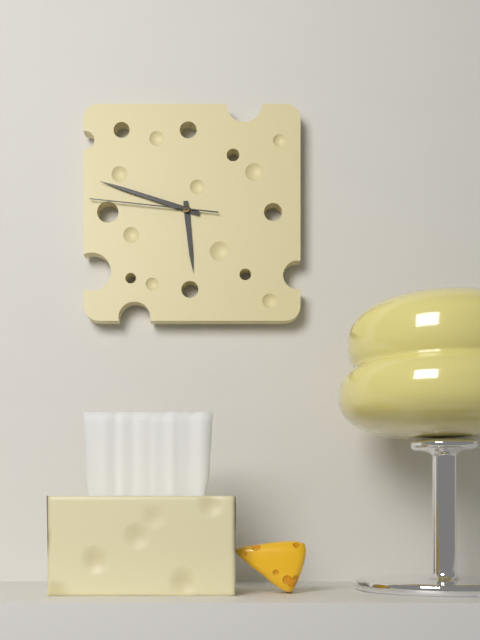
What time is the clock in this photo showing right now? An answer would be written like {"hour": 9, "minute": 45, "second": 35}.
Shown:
{"hour": 5, "minute": 48, "second": 46}
